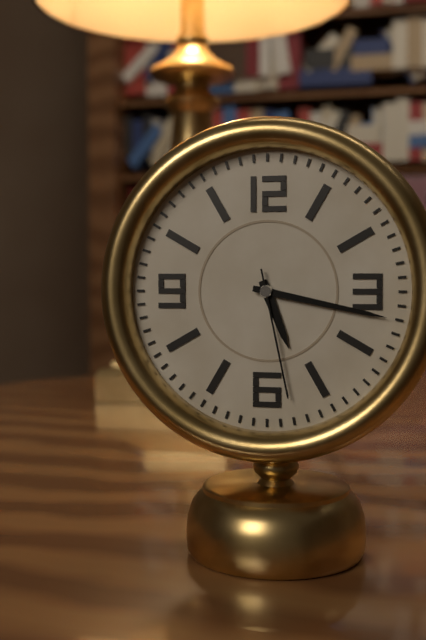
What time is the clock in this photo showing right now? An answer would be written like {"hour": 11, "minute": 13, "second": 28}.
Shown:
{"hour": 5, "minute": 17, "second": 28}
